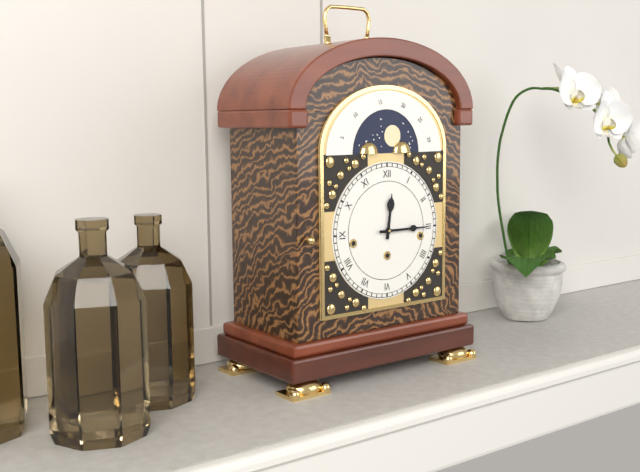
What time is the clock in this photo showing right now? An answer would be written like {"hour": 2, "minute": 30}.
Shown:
{"hour": 12, "minute": 15}
